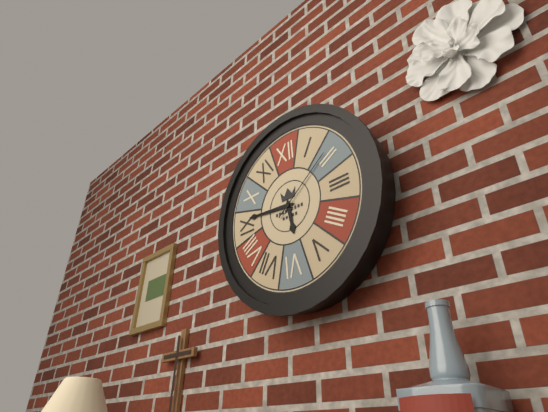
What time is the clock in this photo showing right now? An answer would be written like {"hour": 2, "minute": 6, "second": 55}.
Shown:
{"hour": 5, "minute": 46, "second": 9}
